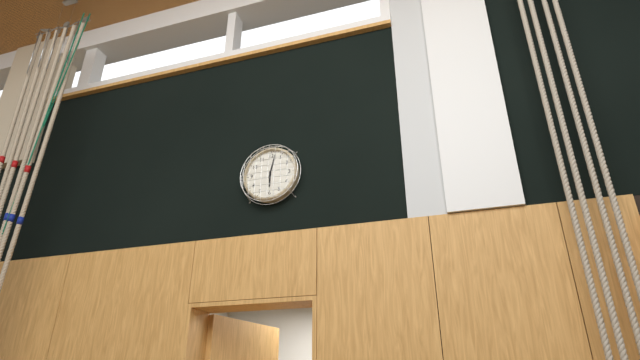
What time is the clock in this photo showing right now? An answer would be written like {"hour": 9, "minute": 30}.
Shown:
{"hour": 6, "minute": 2}
